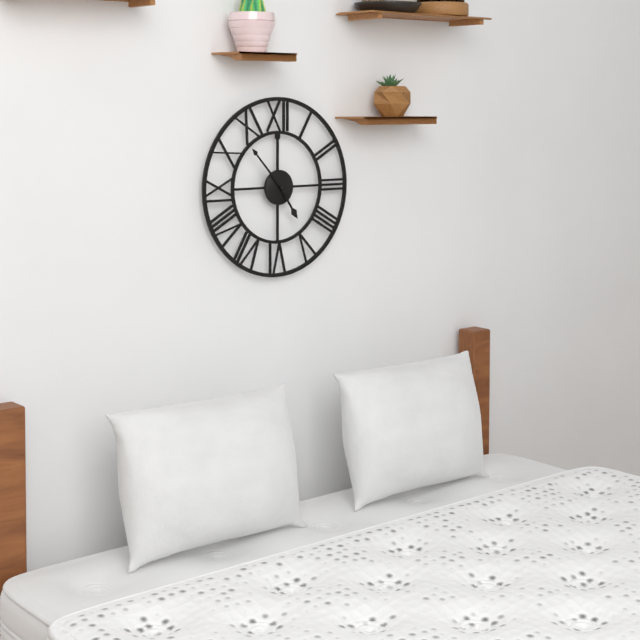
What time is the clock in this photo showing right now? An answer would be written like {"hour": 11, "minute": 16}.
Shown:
{"hour": 4, "minute": 53}
